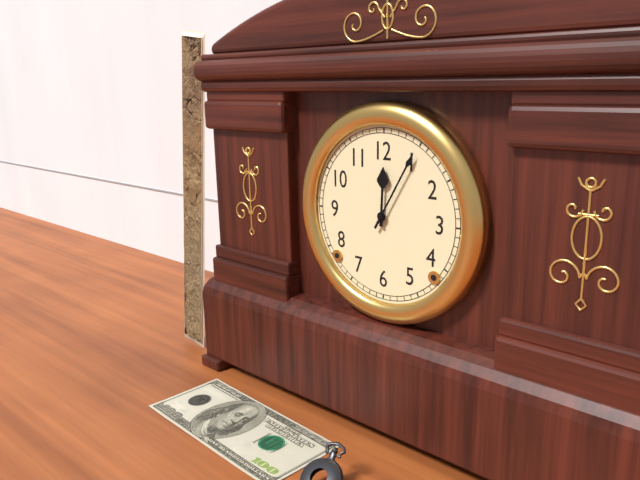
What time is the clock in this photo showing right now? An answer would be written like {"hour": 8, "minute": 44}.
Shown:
{"hour": 12, "minute": 5}
